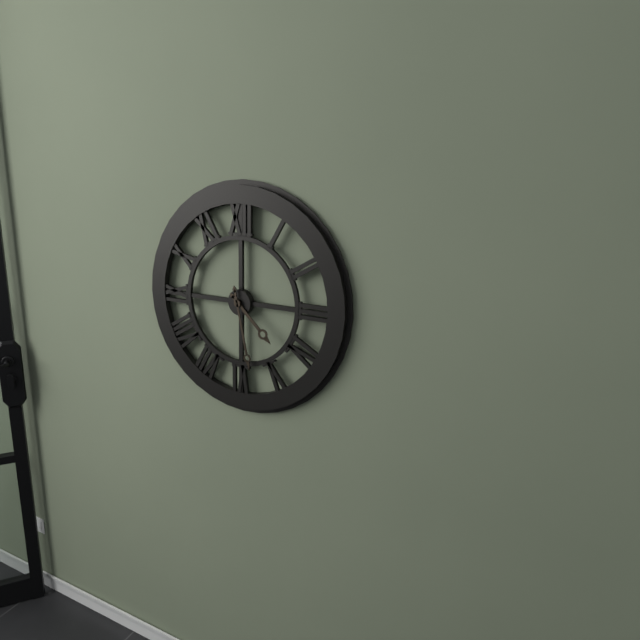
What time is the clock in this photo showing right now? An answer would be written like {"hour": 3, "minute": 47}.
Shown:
{"hour": 4, "minute": 28}
